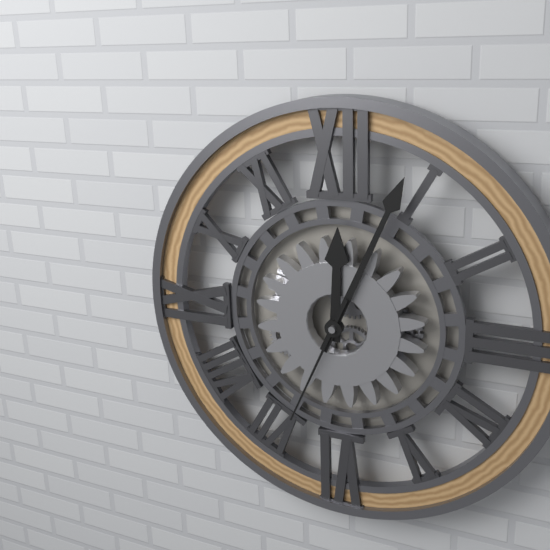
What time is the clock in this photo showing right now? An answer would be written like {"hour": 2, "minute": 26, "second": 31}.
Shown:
{"hour": 12, "minute": 4, "second": 34}
